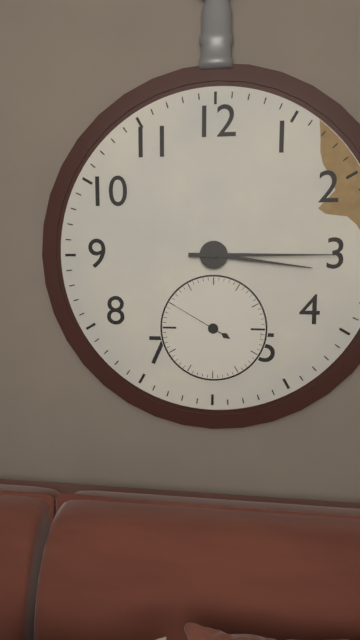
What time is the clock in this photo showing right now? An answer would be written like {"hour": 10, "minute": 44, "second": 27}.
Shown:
{"hour": 3, "minute": 15, "second": 50}
